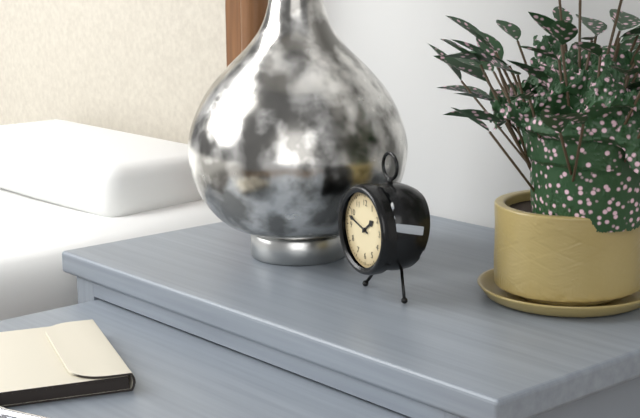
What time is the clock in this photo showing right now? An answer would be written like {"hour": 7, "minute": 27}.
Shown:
{"hour": 1, "minute": 48}
